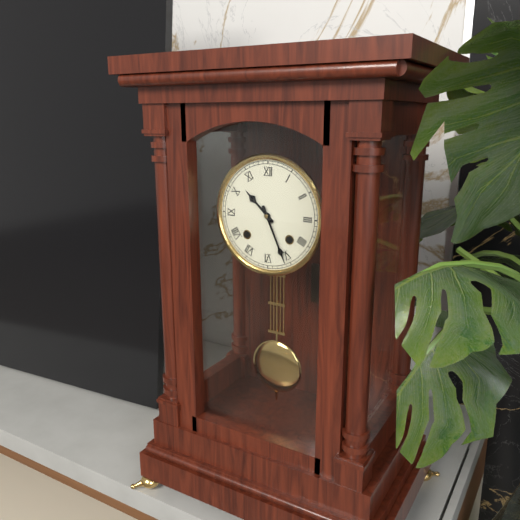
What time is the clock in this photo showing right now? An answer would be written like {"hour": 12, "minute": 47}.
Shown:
{"hour": 10, "minute": 26}
